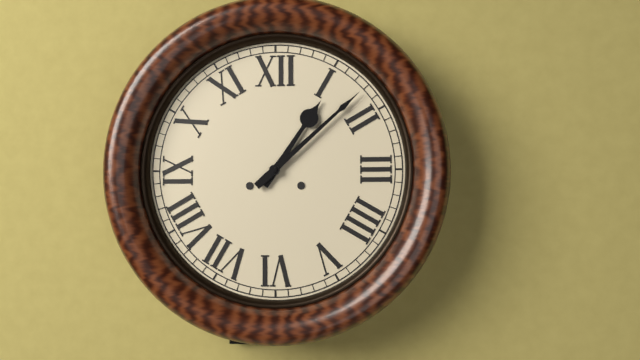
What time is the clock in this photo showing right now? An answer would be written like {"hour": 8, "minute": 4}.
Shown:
{"hour": 1, "minute": 8}
